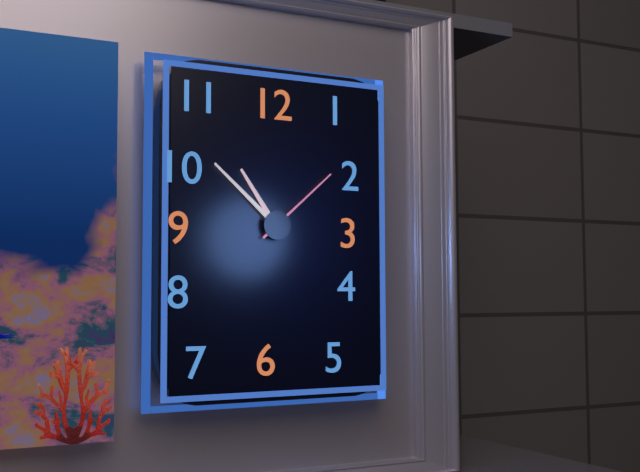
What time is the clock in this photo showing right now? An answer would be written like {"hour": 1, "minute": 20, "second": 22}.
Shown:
{"hour": 10, "minute": 52, "second": 8}
